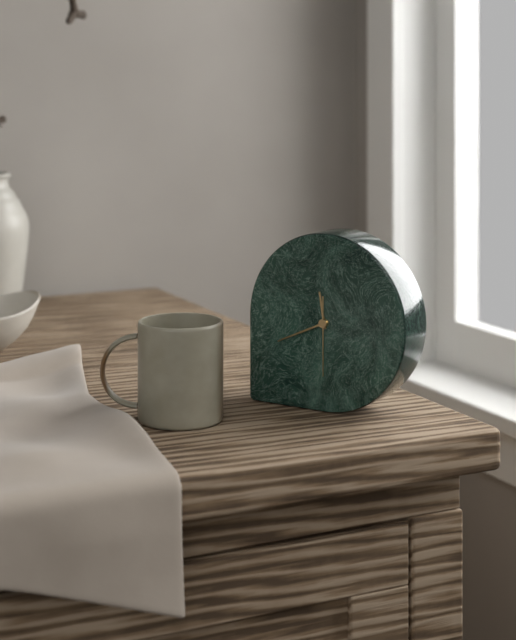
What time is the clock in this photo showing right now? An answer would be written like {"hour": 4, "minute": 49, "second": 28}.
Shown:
{"hour": 11, "minute": 41, "second": 30}
